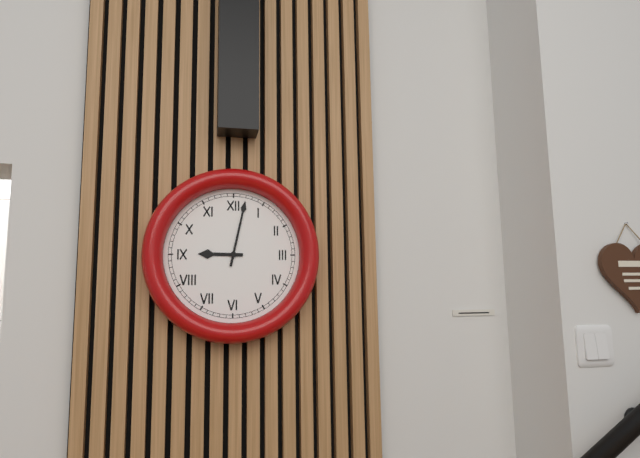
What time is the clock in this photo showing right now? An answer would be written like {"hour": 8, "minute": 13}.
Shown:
{"hour": 9, "minute": 2}
